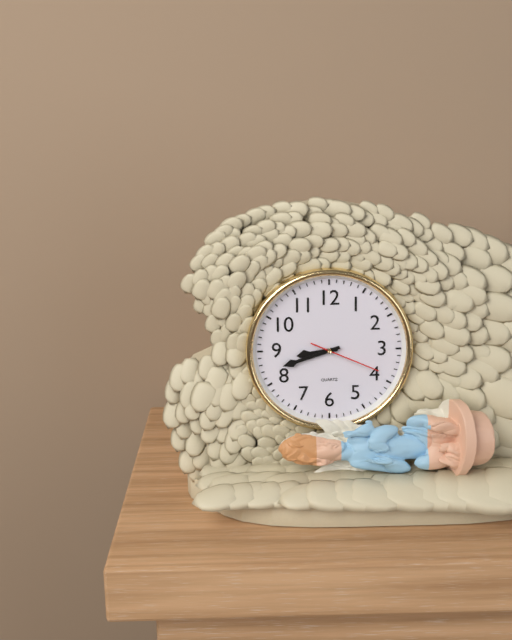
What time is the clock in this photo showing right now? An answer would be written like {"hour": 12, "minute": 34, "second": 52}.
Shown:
{"hour": 8, "minute": 42, "second": 19}
